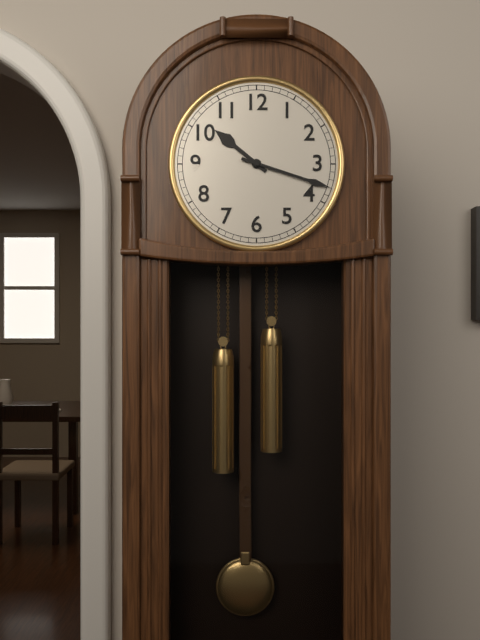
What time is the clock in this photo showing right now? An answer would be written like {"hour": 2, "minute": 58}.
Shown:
{"hour": 10, "minute": 18}
